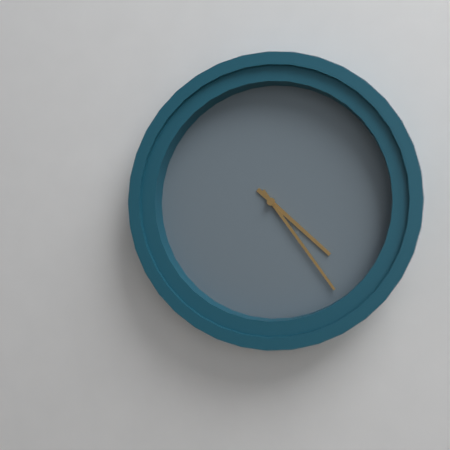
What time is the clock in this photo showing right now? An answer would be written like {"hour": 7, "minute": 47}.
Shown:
{"hour": 4, "minute": 24}
